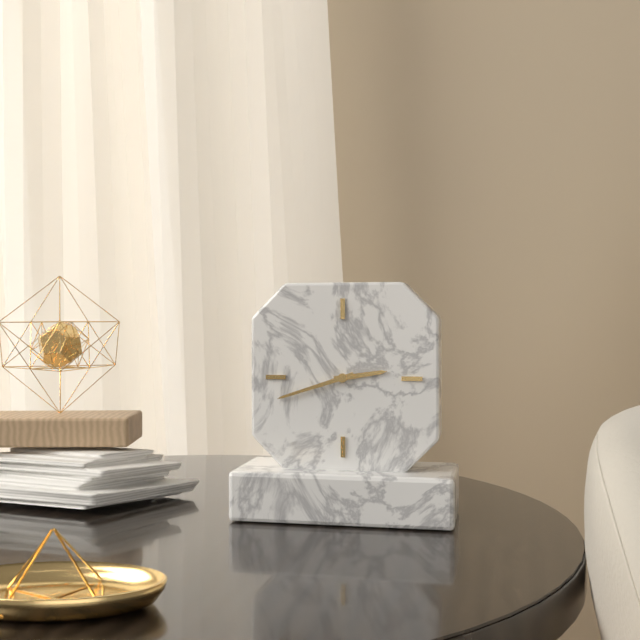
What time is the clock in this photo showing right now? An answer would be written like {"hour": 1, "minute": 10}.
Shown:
{"hour": 2, "minute": 42}
